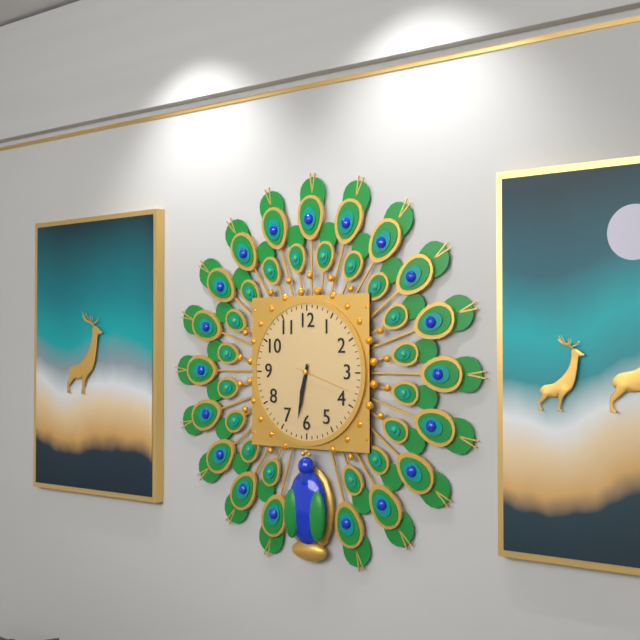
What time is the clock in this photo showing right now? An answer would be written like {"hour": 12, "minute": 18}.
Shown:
{"hour": 6, "minute": 32}
